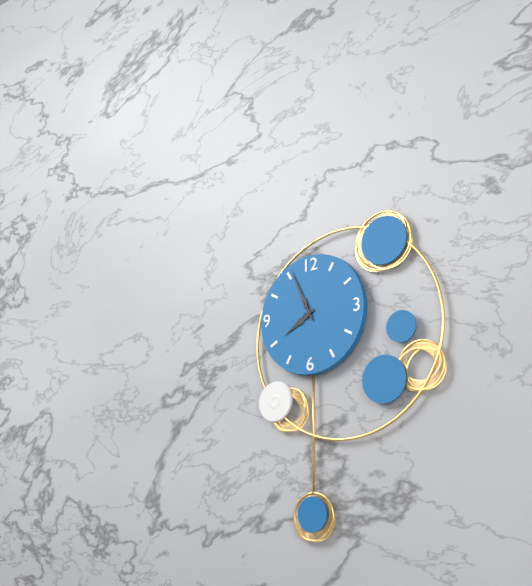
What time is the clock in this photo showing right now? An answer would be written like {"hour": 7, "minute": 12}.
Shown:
{"hour": 7, "minute": 56}
